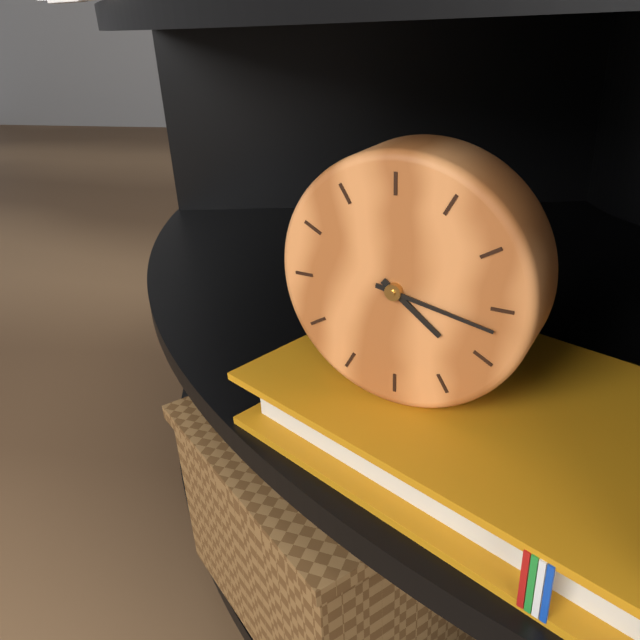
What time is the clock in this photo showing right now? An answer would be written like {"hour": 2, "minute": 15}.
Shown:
{"hour": 4, "minute": 17}
